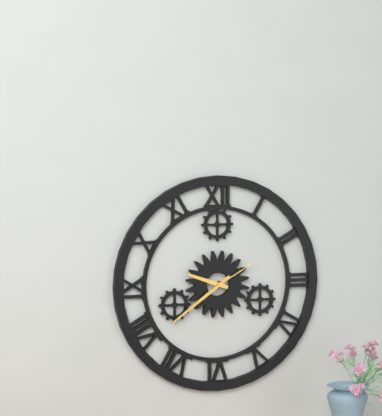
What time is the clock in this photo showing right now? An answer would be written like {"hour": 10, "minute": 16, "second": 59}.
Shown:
{"hour": 9, "minute": 39, "second": 10}
